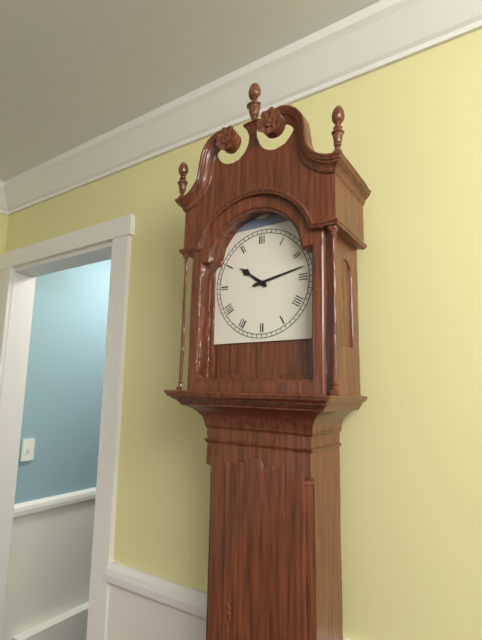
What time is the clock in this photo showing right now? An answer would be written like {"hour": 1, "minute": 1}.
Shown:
{"hour": 10, "minute": 13}
